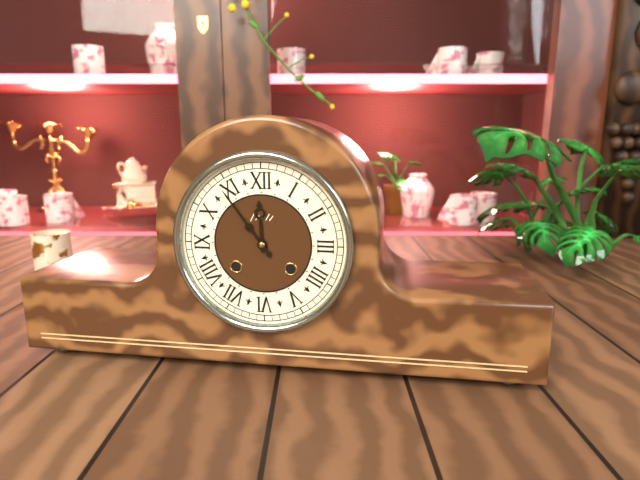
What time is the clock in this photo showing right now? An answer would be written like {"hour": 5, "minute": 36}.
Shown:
{"hour": 11, "minute": 54}
